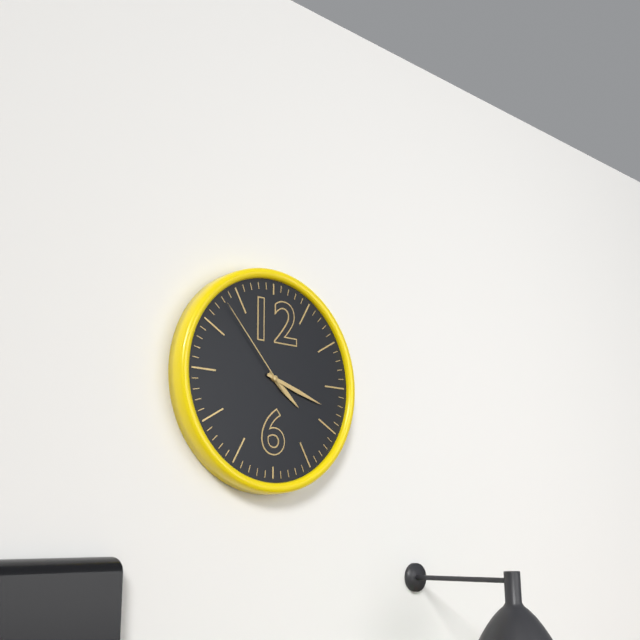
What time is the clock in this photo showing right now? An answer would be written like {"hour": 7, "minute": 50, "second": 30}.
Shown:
{"hour": 4, "minute": 18, "second": 53}
